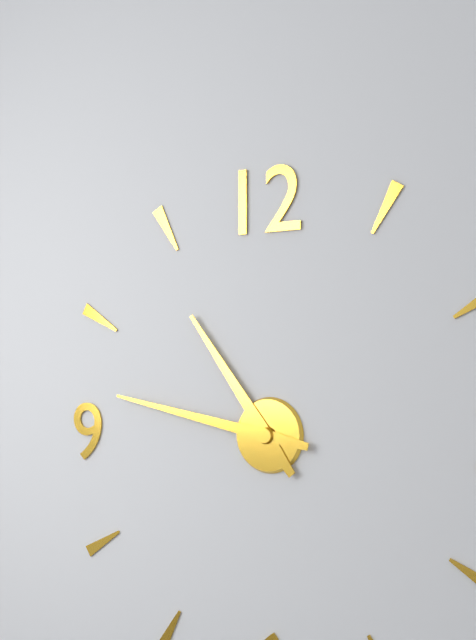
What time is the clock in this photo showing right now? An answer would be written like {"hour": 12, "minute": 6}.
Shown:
{"hour": 10, "minute": 47}
